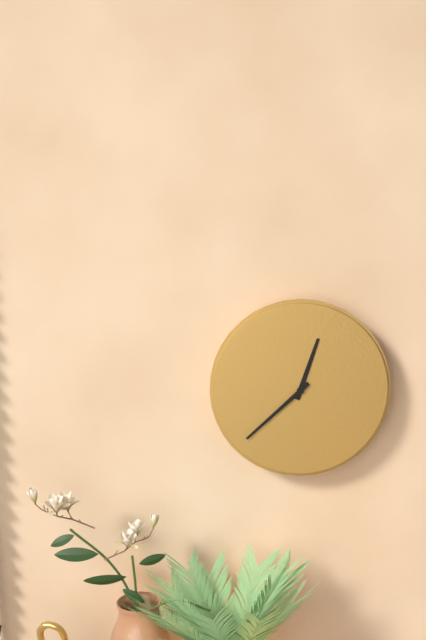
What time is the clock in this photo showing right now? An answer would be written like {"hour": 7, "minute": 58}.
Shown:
{"hour": 12, "minute": 38}
